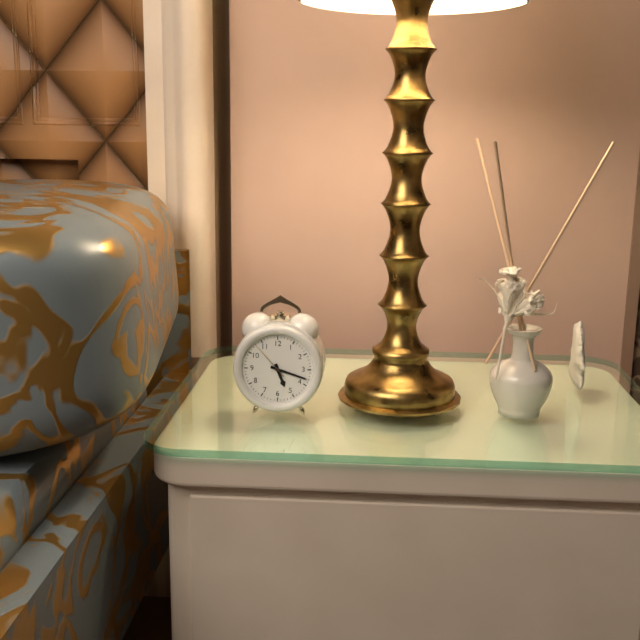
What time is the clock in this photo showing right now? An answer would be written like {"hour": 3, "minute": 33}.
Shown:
{"hour": 5, "minute": 18}
